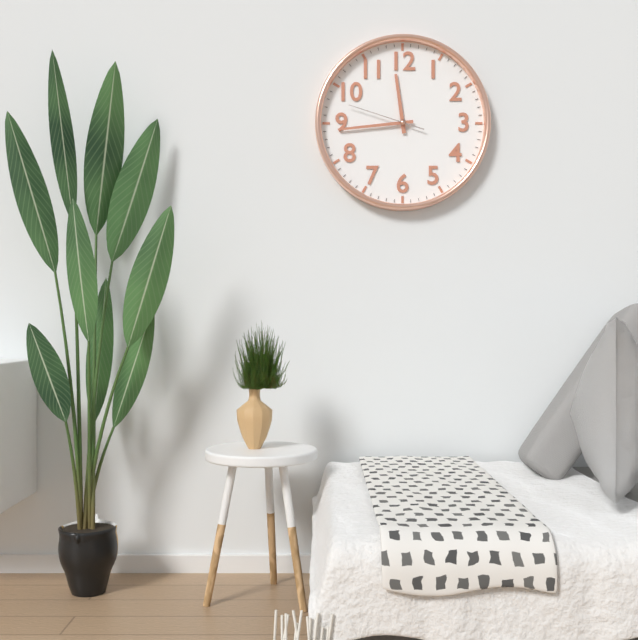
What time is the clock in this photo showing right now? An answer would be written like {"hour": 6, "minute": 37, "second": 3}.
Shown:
{"hour": 11, "minute": 44, "second": 48}
